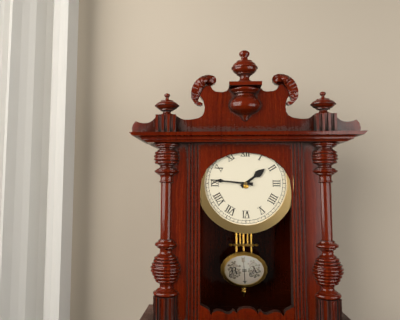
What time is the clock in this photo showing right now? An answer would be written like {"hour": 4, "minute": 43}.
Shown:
{"hour": 1, "minute": 46}
